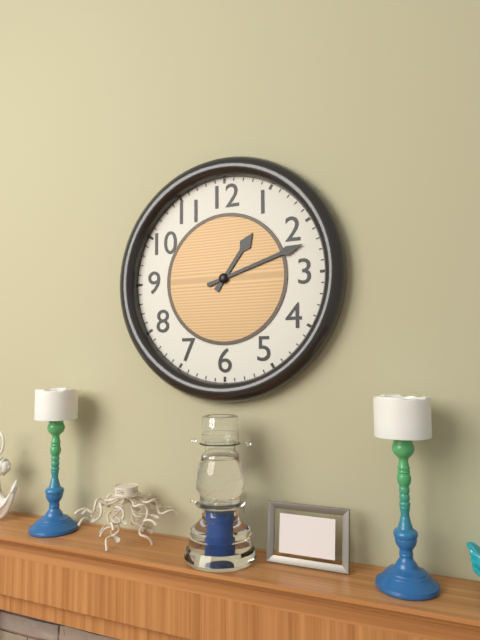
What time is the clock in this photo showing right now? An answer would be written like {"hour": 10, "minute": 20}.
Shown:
{"hour": 1, "minute": 12}
